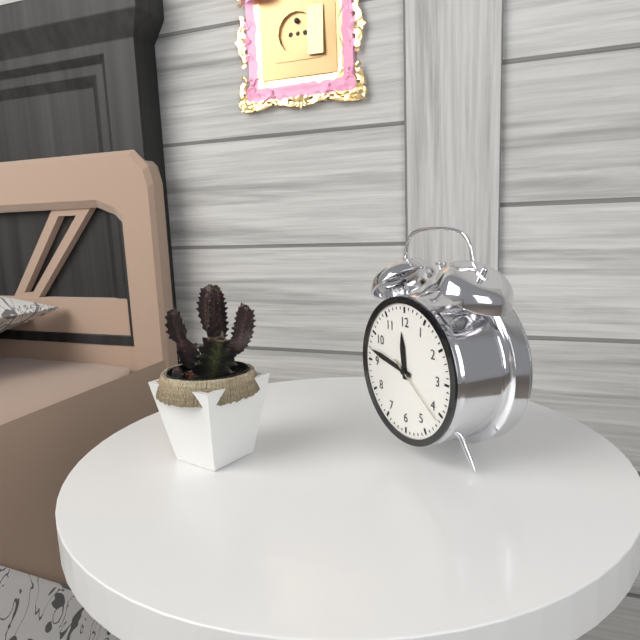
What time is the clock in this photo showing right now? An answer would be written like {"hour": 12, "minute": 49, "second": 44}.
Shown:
{"hour": 11, "minute": 47, "second": 21}
